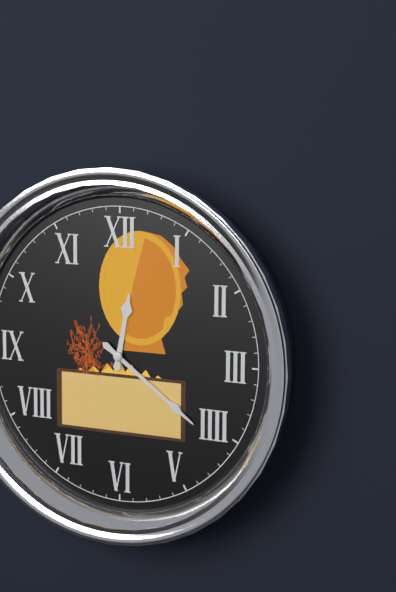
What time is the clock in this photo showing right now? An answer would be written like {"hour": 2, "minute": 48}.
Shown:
{"hour": 12, "minute": 21}
